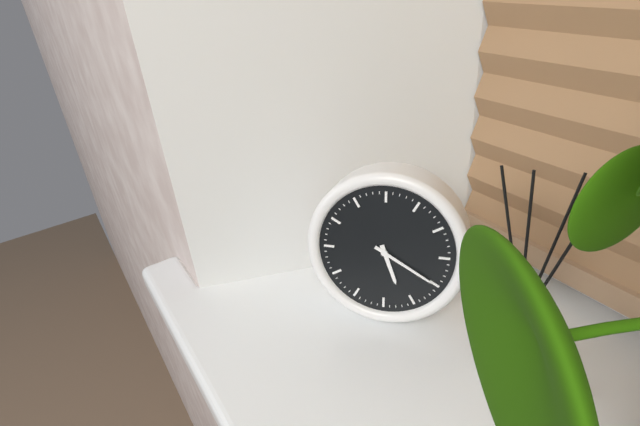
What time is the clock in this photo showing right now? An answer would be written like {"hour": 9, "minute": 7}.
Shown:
{"hour": 5, "minute": 20}
